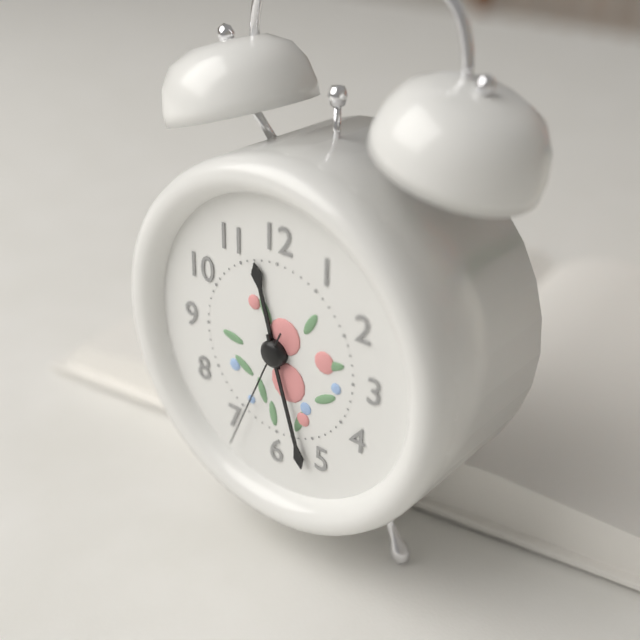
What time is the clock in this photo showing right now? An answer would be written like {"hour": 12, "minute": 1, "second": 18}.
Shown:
{"hour": 11, "minute": 27, "second": 34}
